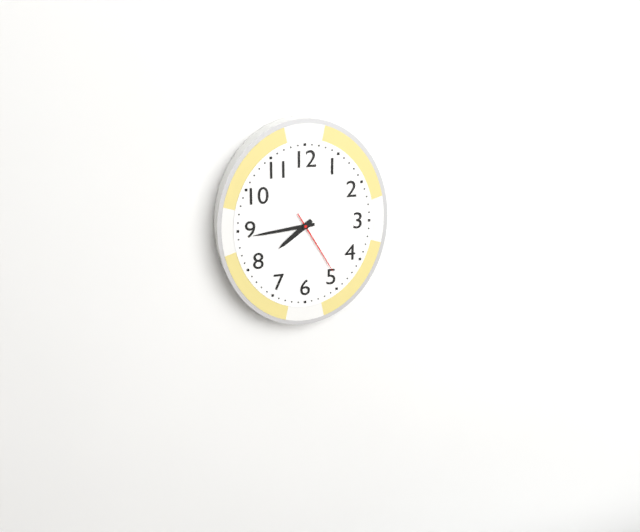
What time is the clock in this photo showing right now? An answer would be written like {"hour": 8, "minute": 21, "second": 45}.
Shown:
{"hour": 7, "minute": 44, "second": 25}
